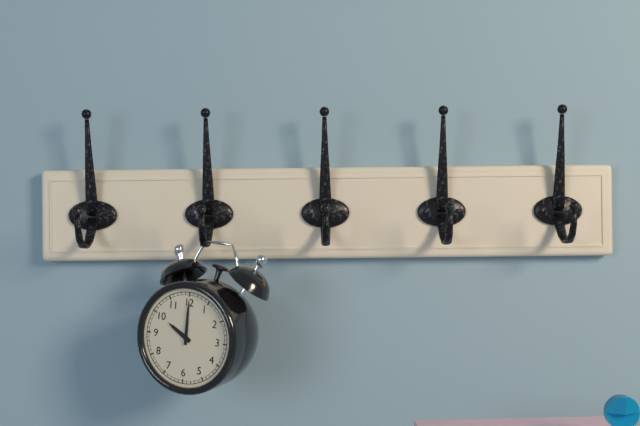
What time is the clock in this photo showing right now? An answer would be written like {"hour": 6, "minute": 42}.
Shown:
{"hour": 10, "minute": 0}
